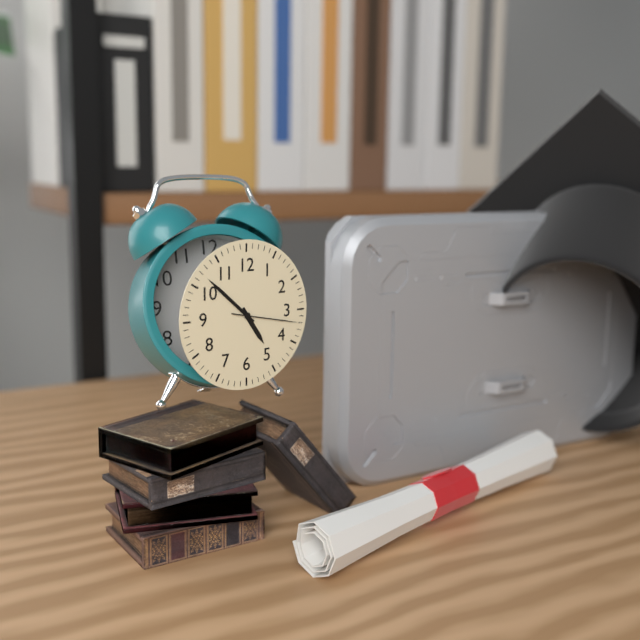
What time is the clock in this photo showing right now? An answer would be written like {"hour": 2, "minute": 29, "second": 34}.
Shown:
{"hour": 4, "minute": 52, "second": 17}
